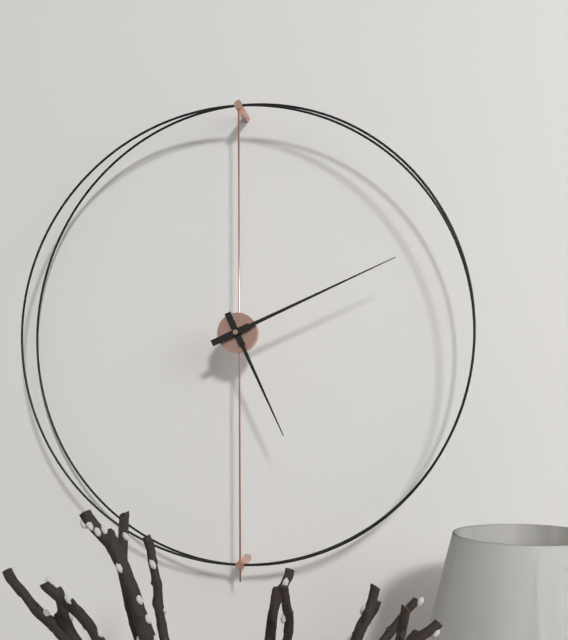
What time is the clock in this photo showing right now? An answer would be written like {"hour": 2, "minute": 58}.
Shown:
{"hour": 5, "minute": 11}
